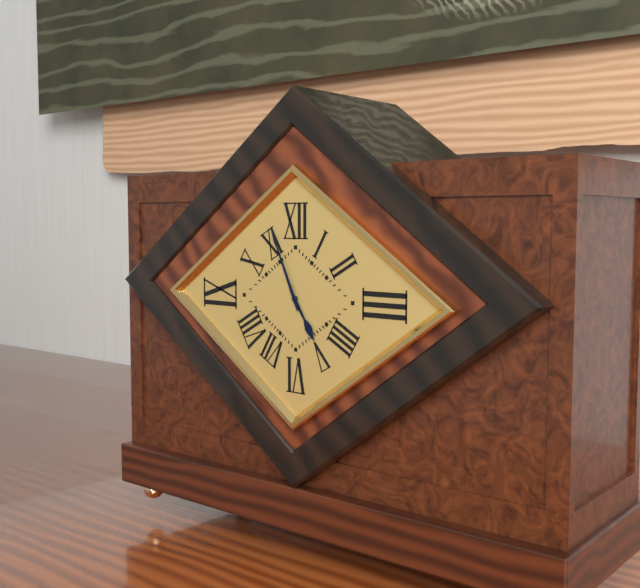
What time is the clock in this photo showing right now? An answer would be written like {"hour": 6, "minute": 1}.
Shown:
{"hour": 4, "minute": 56}
